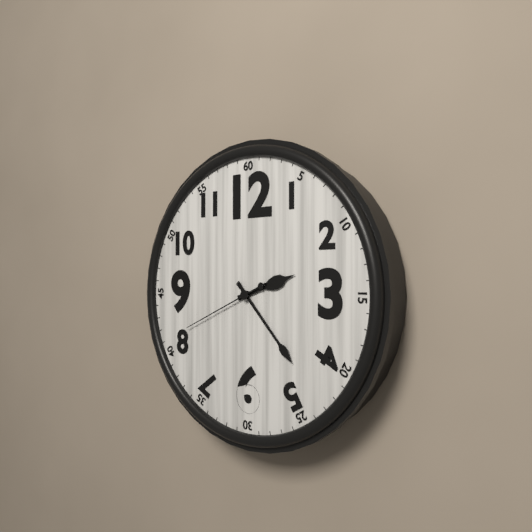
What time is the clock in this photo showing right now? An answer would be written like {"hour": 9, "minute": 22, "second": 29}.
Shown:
{"hour": 2, "minute": 23, "second": 41}
